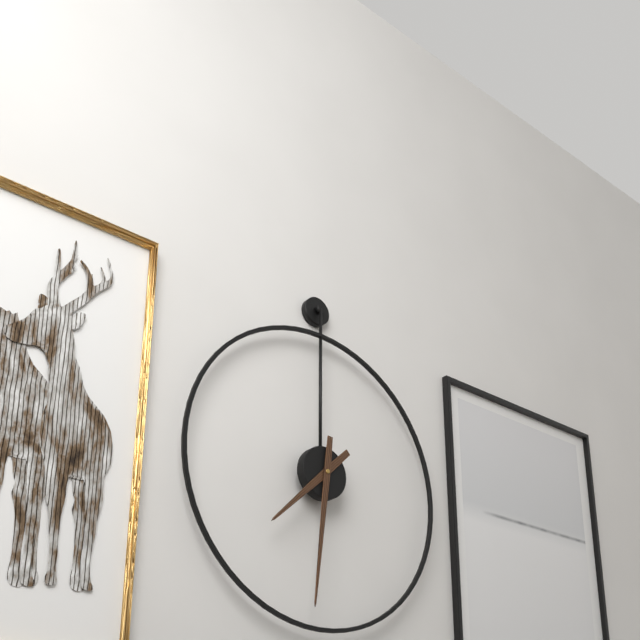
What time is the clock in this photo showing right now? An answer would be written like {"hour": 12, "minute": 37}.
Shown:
{"hour": 7, "minute": 31}
